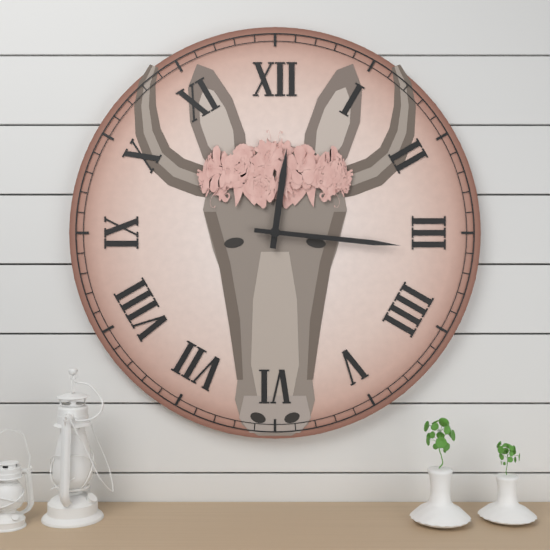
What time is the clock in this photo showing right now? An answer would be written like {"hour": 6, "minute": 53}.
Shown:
{"hour": 12, "minute": 16}
